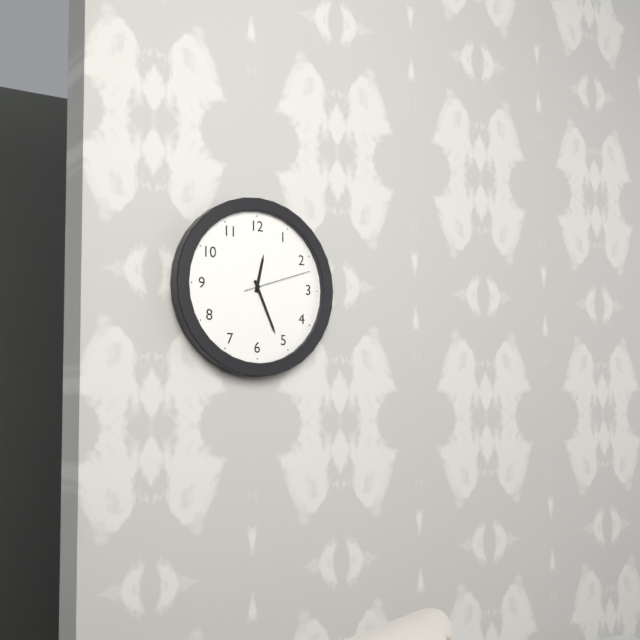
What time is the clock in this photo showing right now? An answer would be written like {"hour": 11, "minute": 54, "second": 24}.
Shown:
{"hour": 12, "minute": 26, "second": 12}
